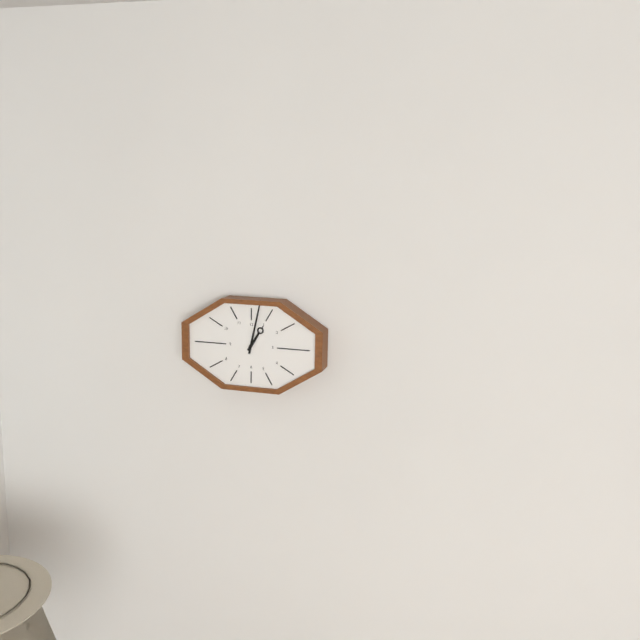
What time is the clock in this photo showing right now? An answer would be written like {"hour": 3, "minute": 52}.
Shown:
{"hour": 1, "minute": 2}
